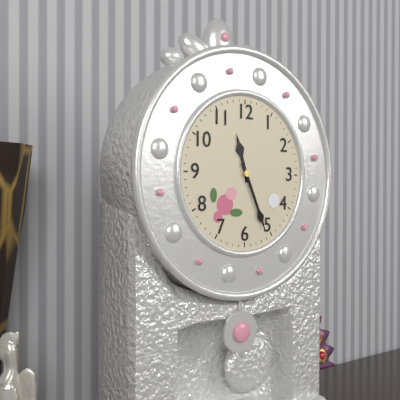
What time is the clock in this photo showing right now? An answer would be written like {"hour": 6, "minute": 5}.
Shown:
{"hour": 11, "minute": 26}
